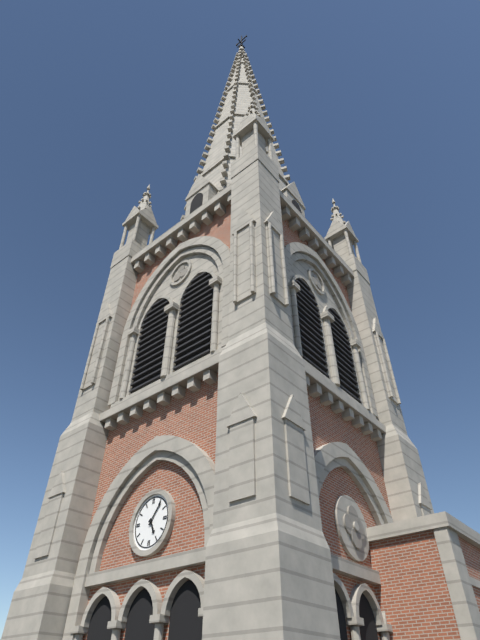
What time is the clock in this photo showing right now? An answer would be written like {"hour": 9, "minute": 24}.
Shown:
{"hour": 5, "minute": 6}
